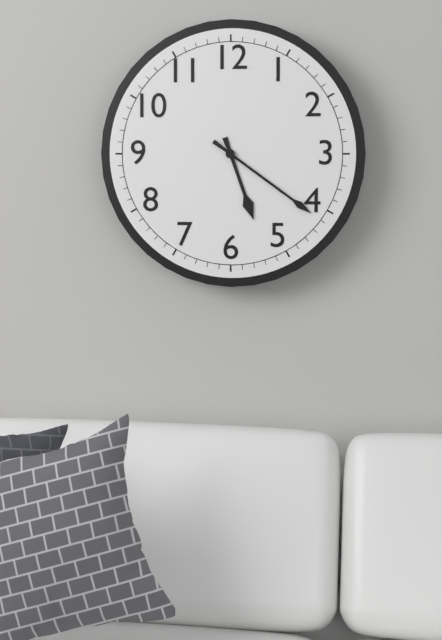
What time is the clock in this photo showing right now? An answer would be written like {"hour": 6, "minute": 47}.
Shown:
{"hour": 5, "minute": 21}
